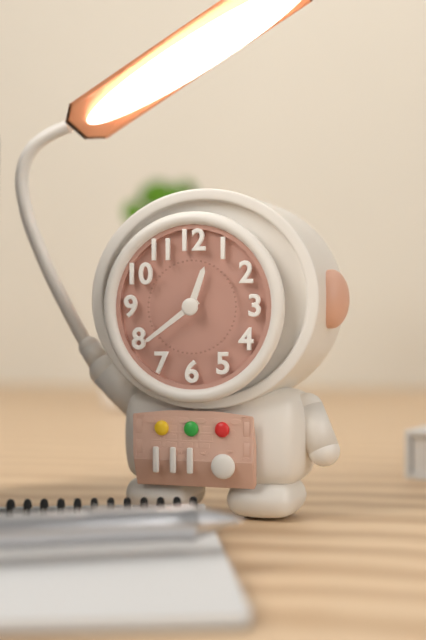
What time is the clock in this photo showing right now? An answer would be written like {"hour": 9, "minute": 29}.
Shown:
{"hour": 12, "minute": 39}
